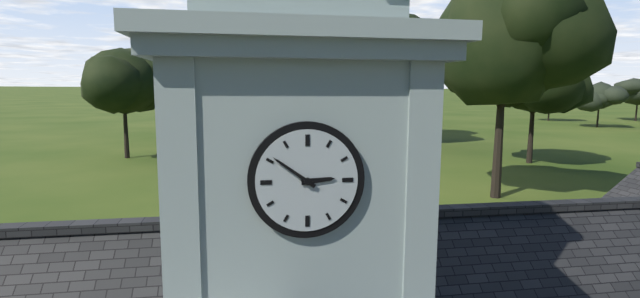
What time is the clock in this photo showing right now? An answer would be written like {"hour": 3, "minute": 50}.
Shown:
{"hour": 2, "minute": 51}
